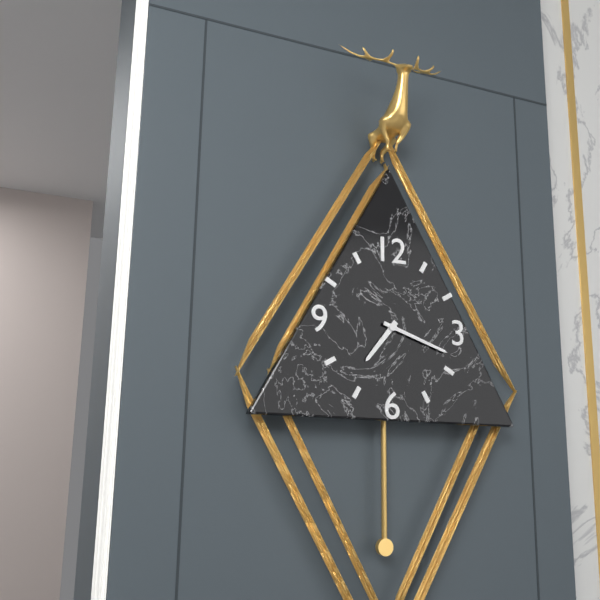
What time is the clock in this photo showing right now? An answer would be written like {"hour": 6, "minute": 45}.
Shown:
{"hour": 7, "minute": 18}
